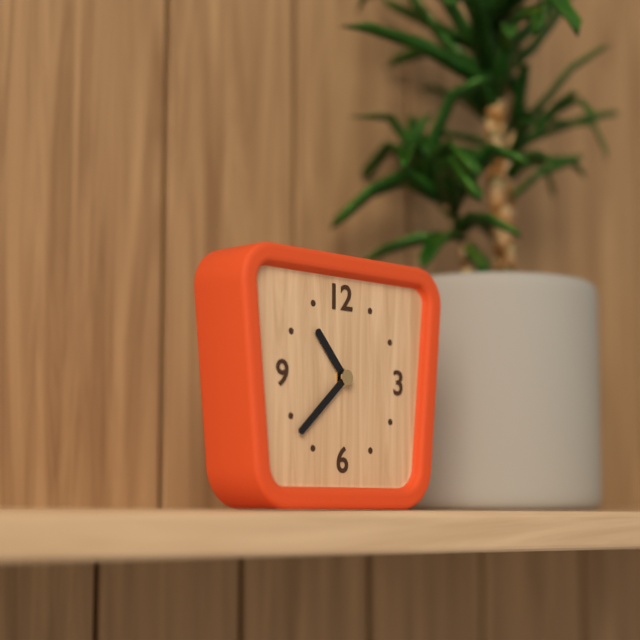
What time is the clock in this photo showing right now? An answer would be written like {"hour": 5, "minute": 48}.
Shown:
{"hour": 10, "minute": 38}
